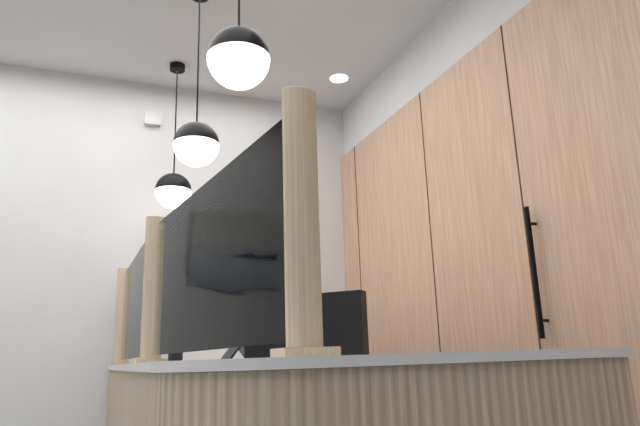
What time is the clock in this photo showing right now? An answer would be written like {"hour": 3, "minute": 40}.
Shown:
{"hour": 8, "minute": 8}
